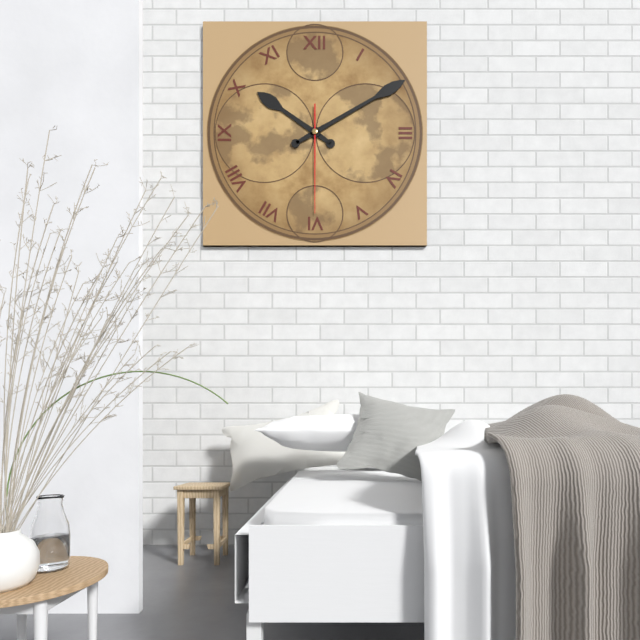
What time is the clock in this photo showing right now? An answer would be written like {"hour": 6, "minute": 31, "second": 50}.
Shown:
{"hour": 10, "minute": 10, "second": 30}
